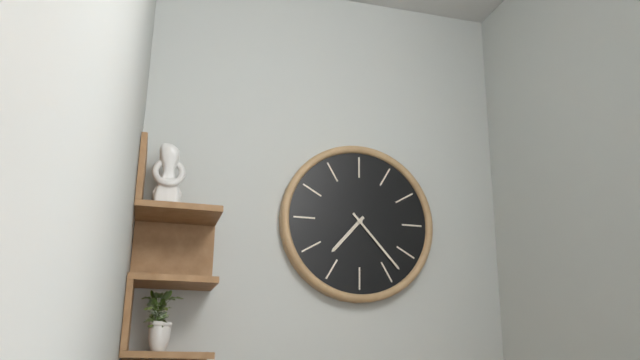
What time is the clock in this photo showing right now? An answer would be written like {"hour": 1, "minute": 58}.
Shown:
{"hour": 7, "minute": 23}
